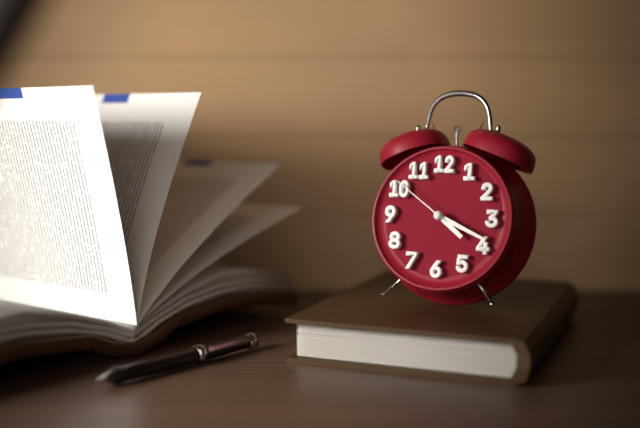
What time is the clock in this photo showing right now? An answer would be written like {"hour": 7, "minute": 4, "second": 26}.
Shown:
{"hour": 4, "minute": 19, "second": 51}
